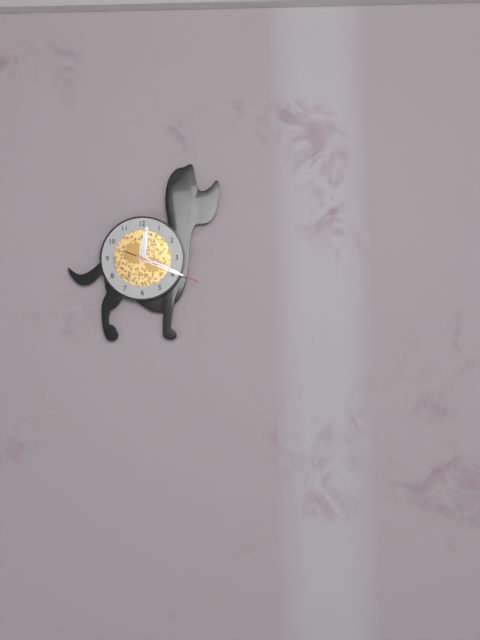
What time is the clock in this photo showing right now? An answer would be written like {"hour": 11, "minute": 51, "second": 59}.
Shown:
{"hour": 12, "minute": 19, "second": 19}
